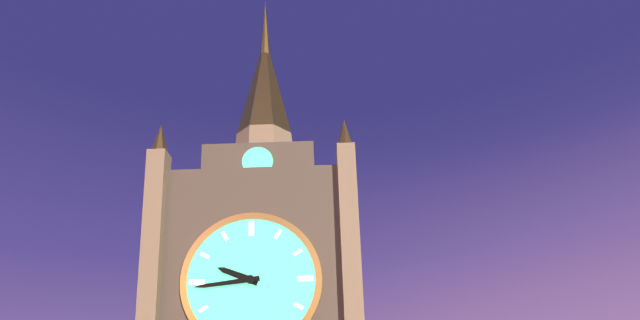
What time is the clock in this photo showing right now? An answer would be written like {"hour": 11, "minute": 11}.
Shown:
{"hour": 9, "minute": 44}
